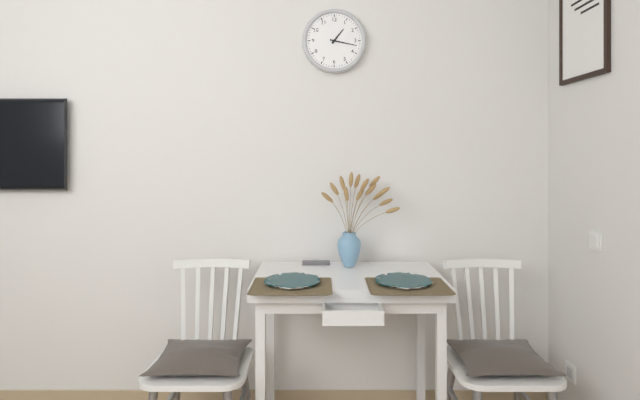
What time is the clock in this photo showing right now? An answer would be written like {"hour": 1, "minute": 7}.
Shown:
{"hour": 1, "minute": 17}
